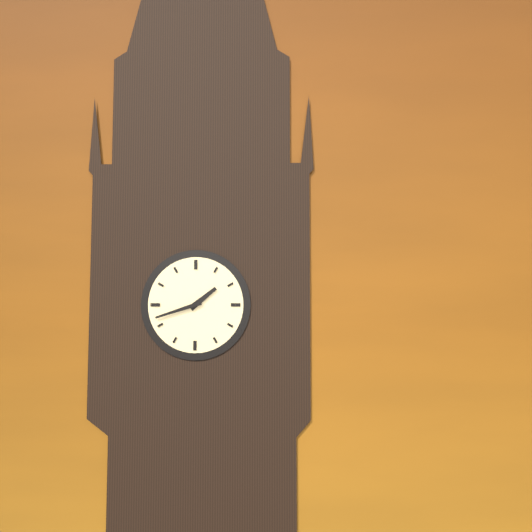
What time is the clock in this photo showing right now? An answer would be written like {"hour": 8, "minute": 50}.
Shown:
{"hour": 1, "minute": 42}
